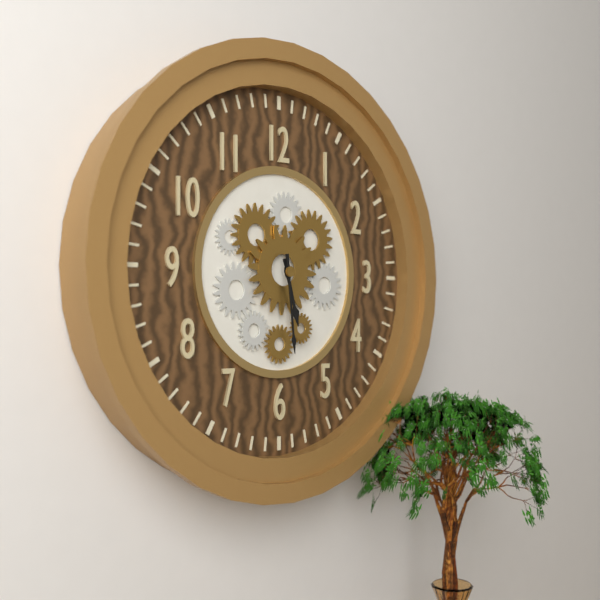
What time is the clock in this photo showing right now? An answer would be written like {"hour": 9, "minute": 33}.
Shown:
{"hour": 5, "minute": 29}
